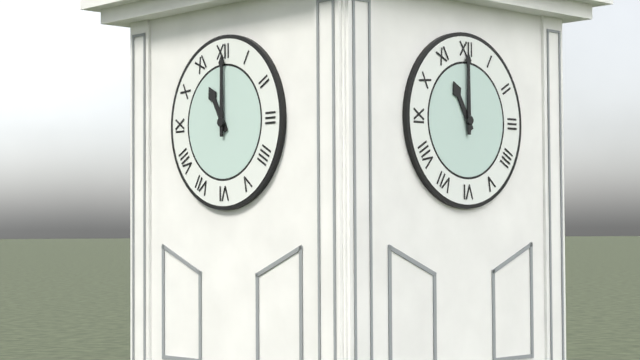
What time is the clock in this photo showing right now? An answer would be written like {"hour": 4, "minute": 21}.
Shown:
{"hour": 11, "minute": 0}
